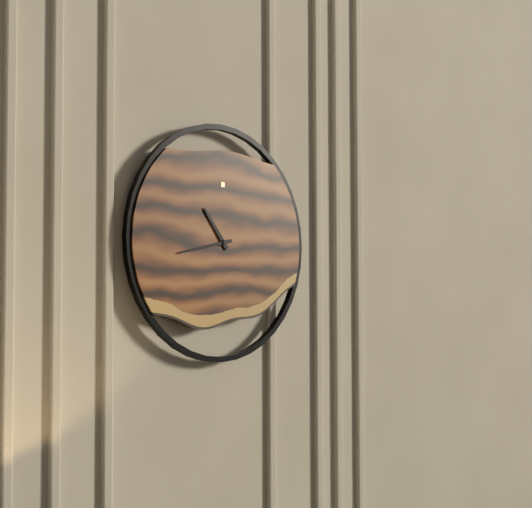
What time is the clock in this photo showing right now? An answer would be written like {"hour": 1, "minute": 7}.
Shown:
{"hour": 10, "minute": 43}
